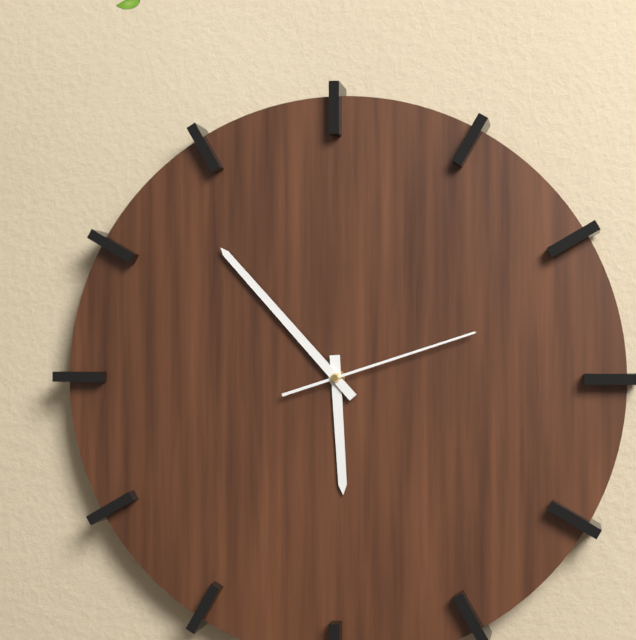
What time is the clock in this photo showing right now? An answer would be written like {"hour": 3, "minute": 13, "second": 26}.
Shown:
{"hour": 5, "minute": 53, "second": 12}
